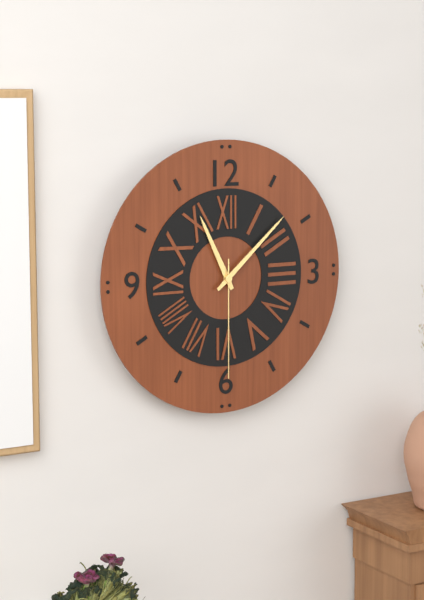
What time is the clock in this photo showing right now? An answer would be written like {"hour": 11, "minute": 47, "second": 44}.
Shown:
{"hour": 11, "minute": 8, "second": 30}
